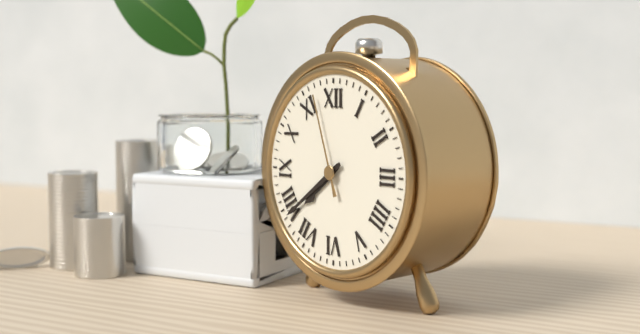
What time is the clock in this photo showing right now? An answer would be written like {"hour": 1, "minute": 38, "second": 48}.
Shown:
{"hour": 7, "minute": 39, "second": 57}
